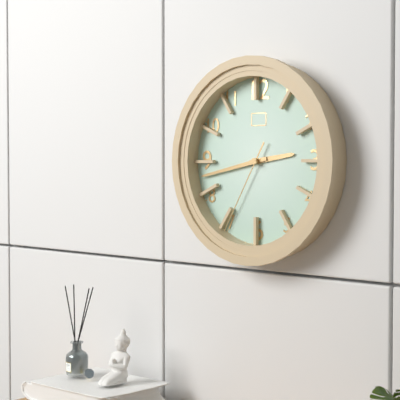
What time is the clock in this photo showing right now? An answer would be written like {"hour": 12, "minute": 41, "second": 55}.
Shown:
{"hour": 2, "minute": 43, "second": 35}
